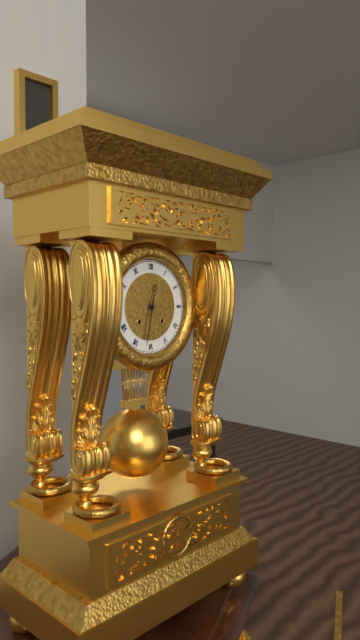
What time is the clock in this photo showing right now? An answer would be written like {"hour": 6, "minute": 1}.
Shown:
{"hour": 12, "minute": 32}
